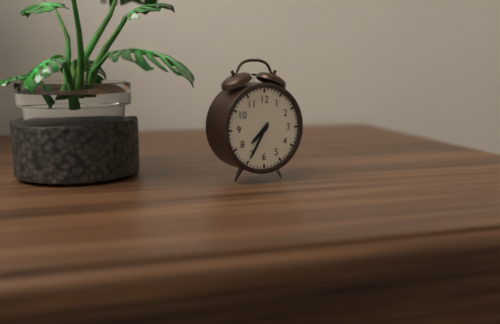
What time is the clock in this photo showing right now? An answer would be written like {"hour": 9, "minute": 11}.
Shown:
{"hour": 7, "minute": 35}
